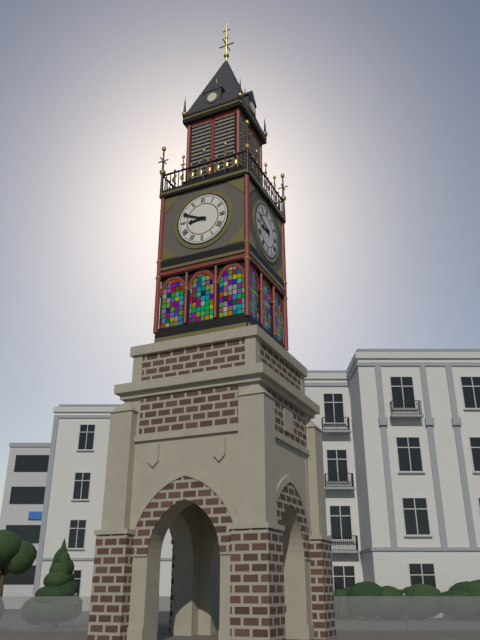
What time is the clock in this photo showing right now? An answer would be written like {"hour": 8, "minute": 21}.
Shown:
{"hour": 8, "minute": 49}
